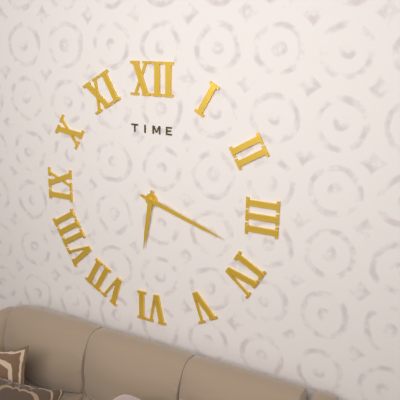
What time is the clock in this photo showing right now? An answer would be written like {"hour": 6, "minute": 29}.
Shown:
{"hour": 6, "minute": 18}
